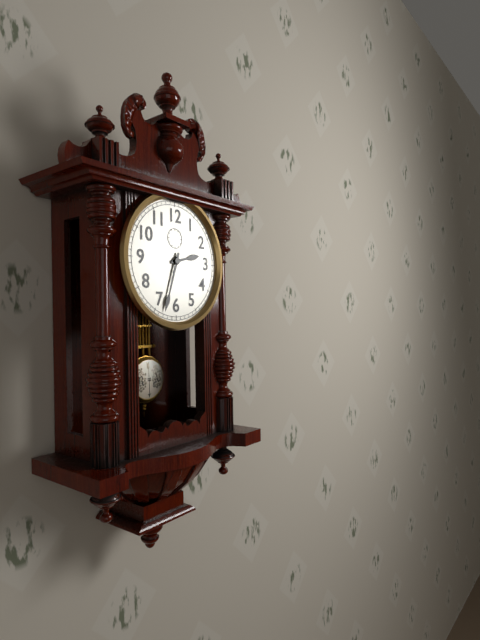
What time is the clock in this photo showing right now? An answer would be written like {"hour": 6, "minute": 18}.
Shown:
{"hour": 2, "minute": 33}
